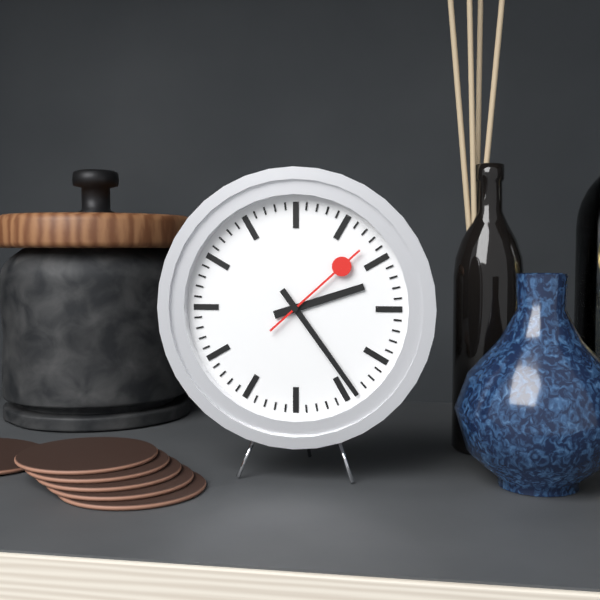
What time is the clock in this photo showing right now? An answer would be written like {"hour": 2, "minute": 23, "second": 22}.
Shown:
{"hour": 2, "minute": 24, "second": 8}
